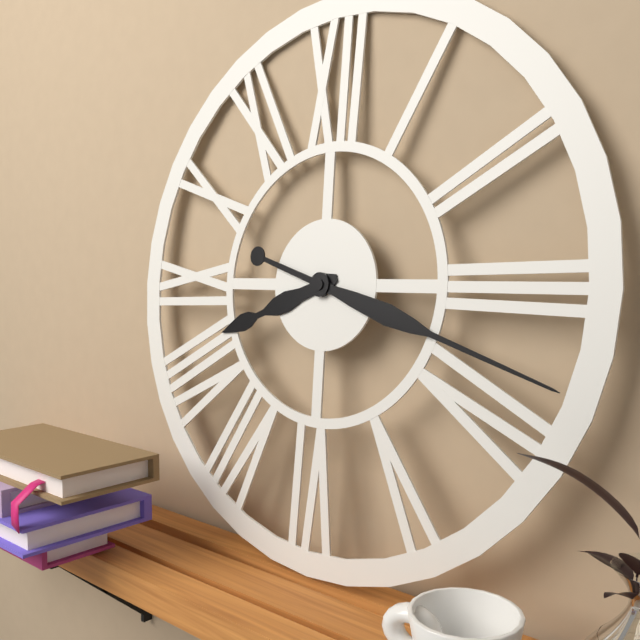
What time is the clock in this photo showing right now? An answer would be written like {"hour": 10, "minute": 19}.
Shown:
{"hour": 8, "minute": 18}
